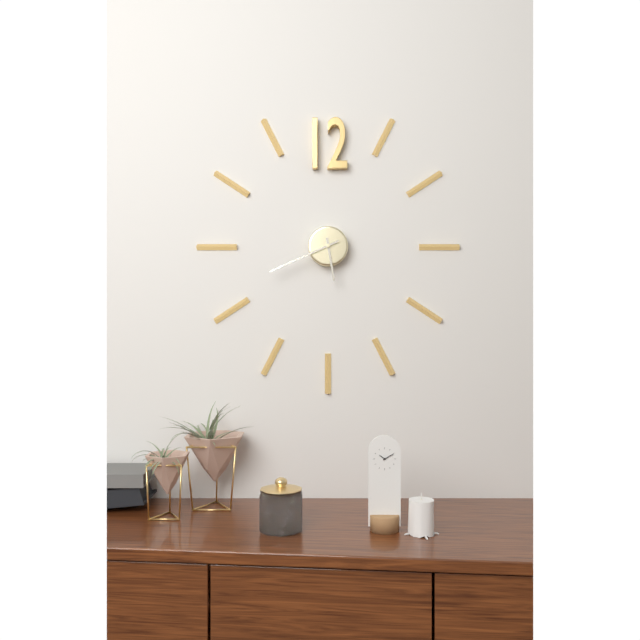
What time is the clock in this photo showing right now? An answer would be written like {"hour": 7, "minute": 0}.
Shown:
{"hour": 5, "minute": 41}
